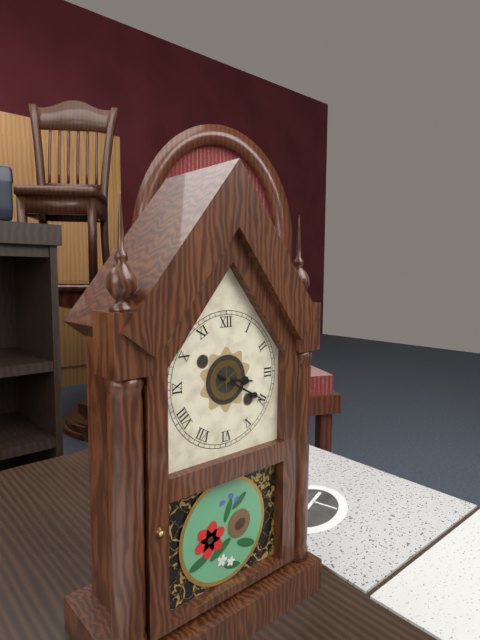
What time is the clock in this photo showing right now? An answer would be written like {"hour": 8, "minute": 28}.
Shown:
{"hour": 3, "minute": 20}
